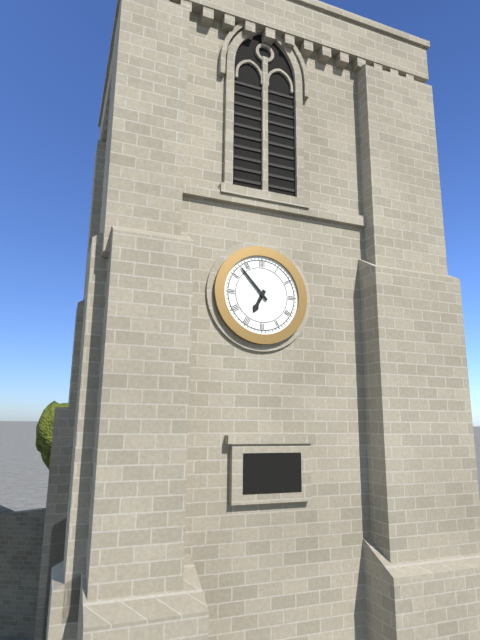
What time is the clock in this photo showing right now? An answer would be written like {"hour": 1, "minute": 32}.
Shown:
{"hour": 6, "minute": 53}
